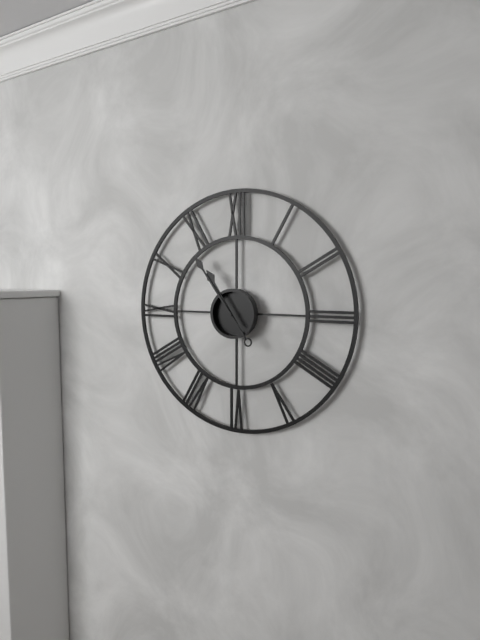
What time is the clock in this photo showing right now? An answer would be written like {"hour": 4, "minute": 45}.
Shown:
{"hour": 10, "minute": 54}
